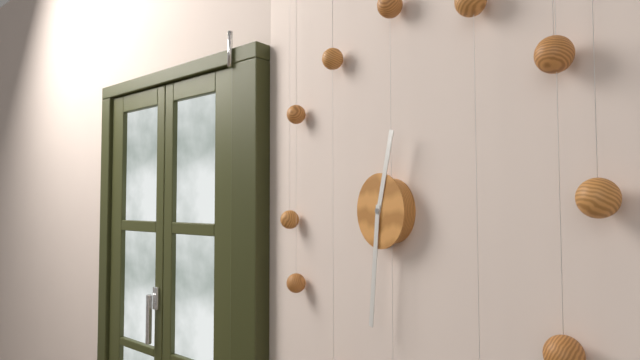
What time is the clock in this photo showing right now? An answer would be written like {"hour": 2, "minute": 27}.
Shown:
{"hour": 12, "minute": 31}
